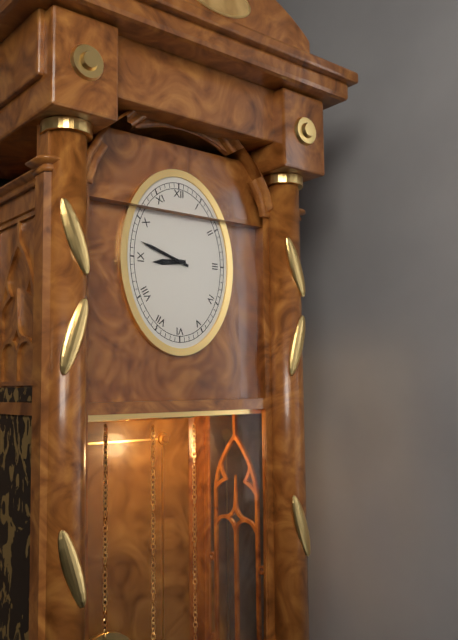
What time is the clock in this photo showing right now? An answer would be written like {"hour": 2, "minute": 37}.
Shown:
{"hour": 8, "minute": 48}
